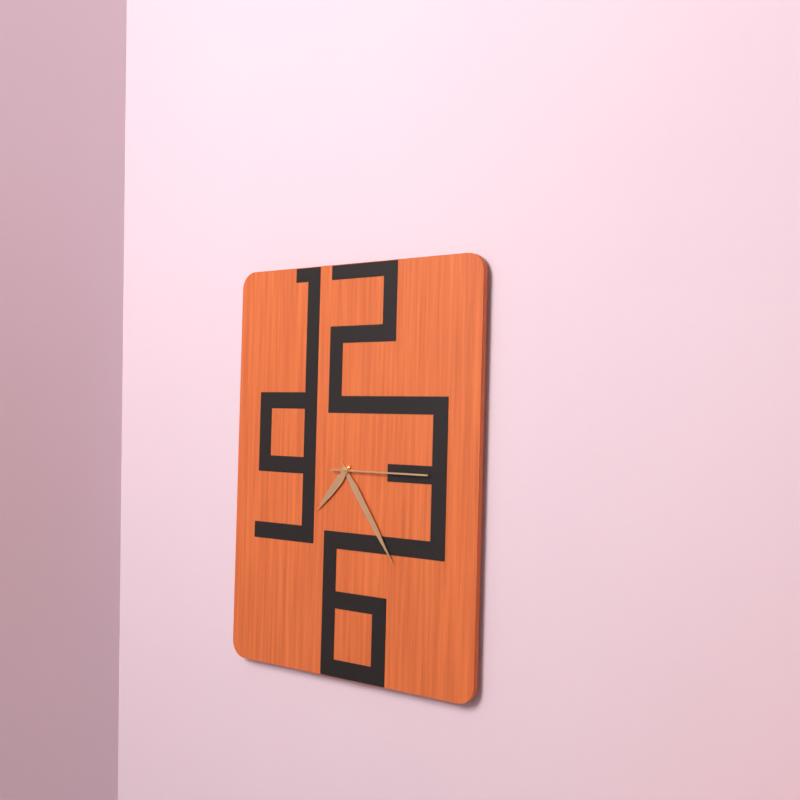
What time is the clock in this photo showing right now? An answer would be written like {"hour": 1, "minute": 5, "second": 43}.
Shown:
{"hour": 7, "minute": 24, "second": 15}
